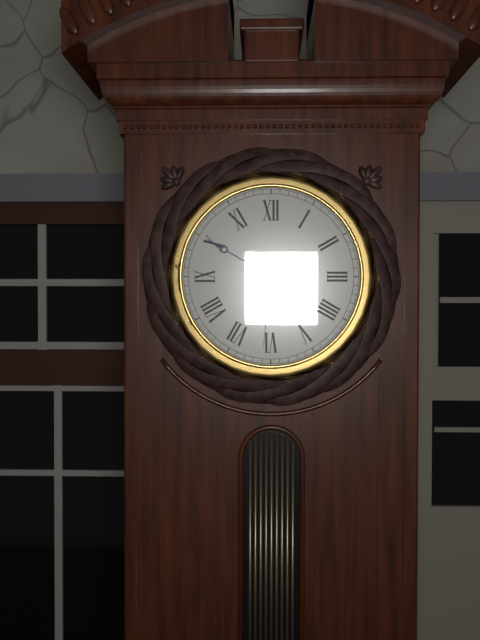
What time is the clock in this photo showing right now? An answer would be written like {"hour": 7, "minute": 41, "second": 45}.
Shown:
{"hour": 4, "minute": 50, "second": 31}
